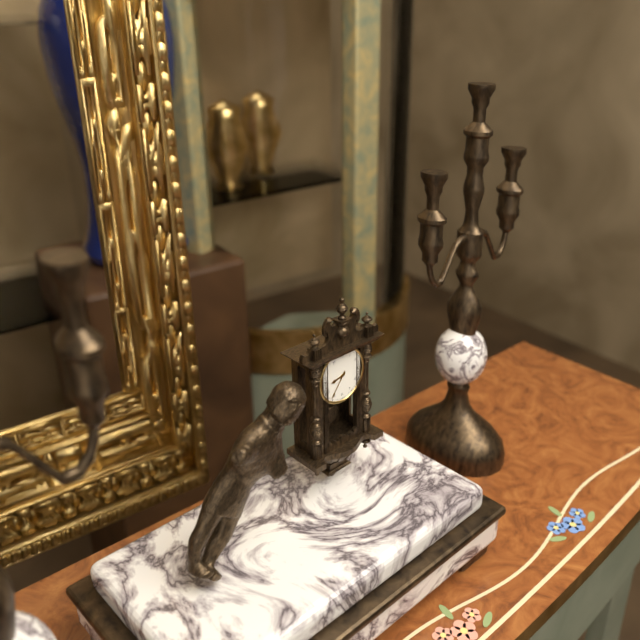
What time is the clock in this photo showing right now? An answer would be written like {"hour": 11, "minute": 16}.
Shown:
{"hour": 8, "minute": 36}
